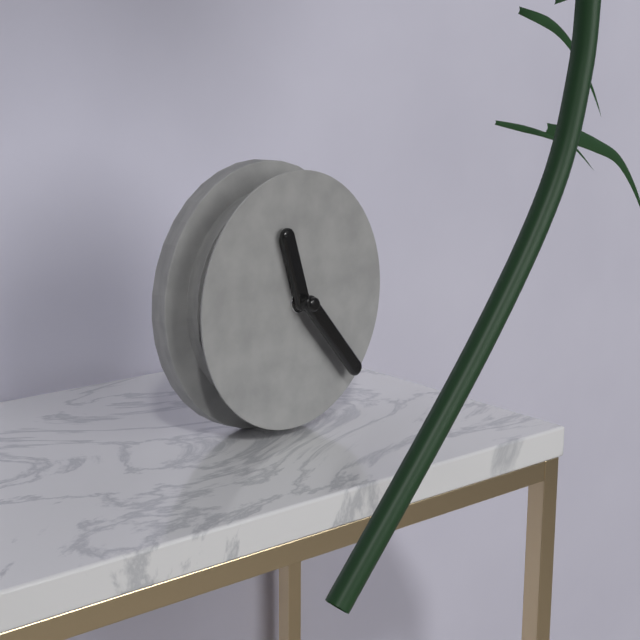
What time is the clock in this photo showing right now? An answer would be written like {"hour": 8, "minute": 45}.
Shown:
{"hour": 11, "minute": 23}
